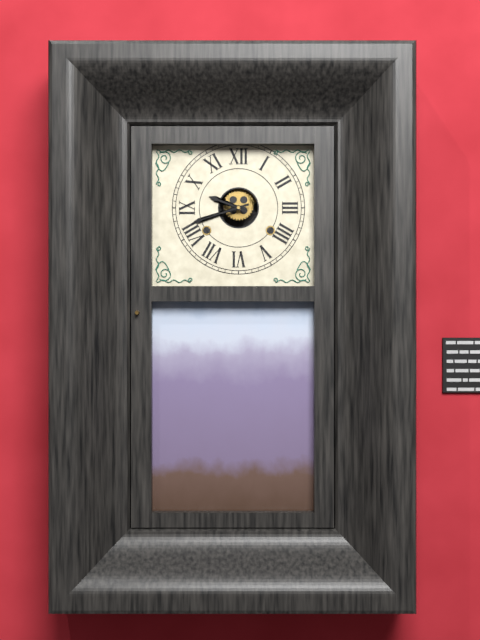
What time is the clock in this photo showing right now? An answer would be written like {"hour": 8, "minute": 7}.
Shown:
{"hour": 9, "minute": 42}
